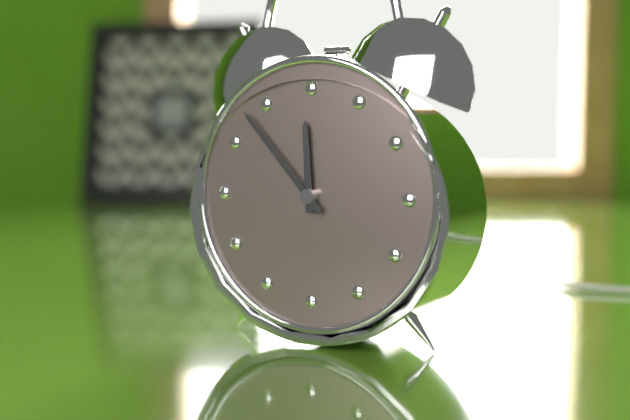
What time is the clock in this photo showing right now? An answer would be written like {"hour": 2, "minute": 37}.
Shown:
{"hour": 11, "minute": 53}
